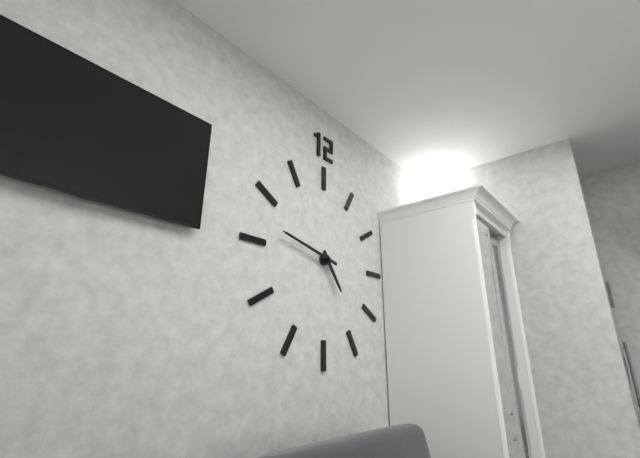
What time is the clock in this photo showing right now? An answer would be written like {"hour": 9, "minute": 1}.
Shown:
{"hour": 4, "minute": 47}
